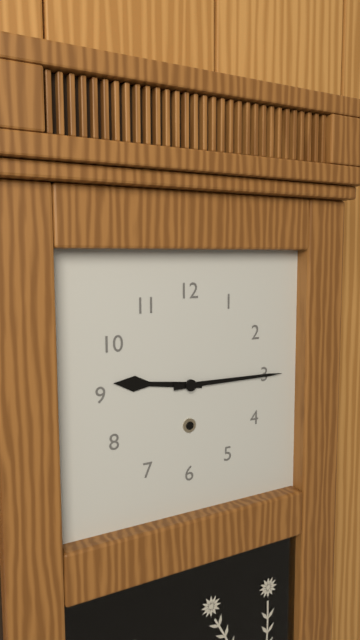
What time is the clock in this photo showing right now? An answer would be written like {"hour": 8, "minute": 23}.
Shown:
{"hour": 9, "minute": 15}
